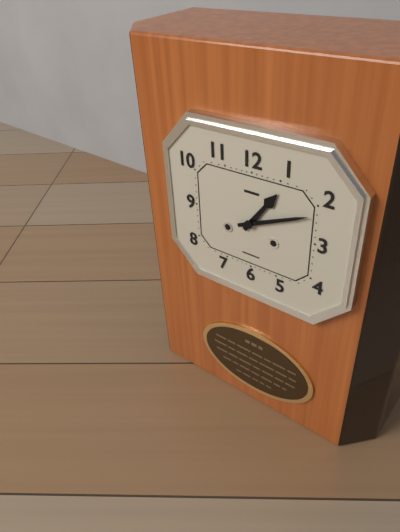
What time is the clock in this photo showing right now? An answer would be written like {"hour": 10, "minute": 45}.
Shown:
{"hour": 1, "minute": 11}
